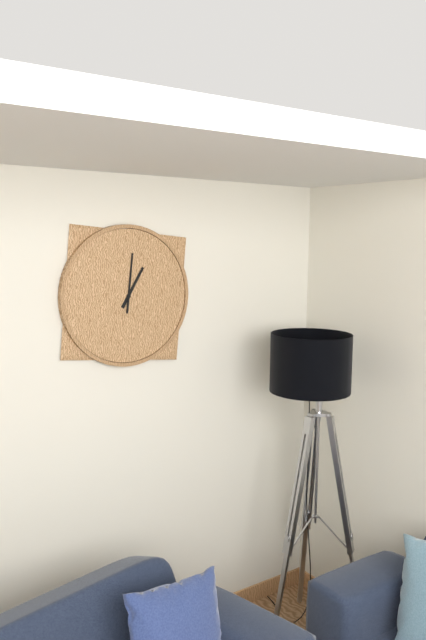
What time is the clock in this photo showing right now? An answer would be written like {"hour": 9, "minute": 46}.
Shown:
{"hour": 1, "minute": 1}
